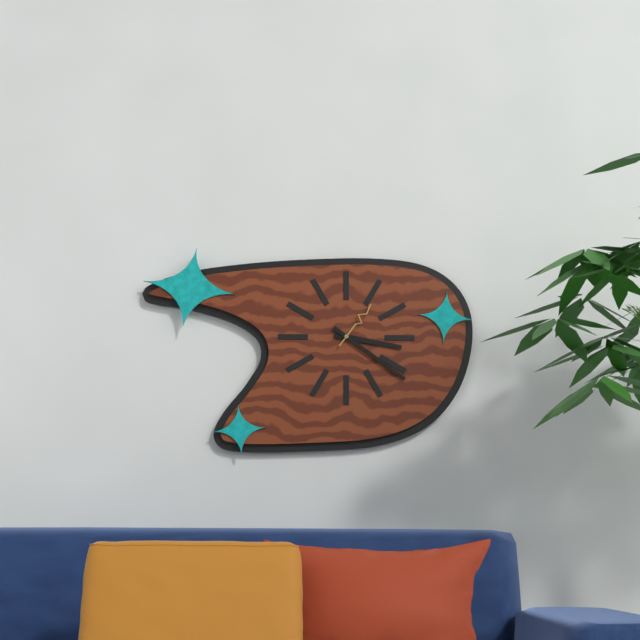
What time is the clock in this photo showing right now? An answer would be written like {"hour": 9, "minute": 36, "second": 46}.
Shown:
{"hour": 3, "minute": 21, "second": 6}
